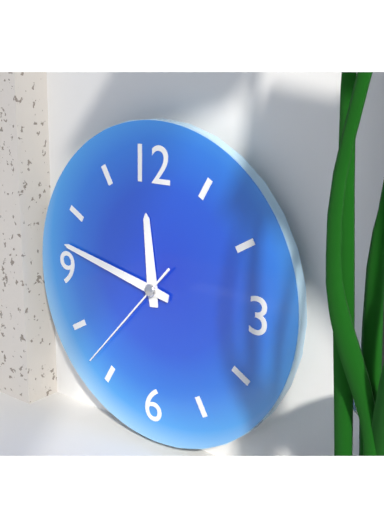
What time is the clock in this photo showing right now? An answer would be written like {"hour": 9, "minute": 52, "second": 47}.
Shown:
{"hour": 11, "minute": 47, "second": 37}
